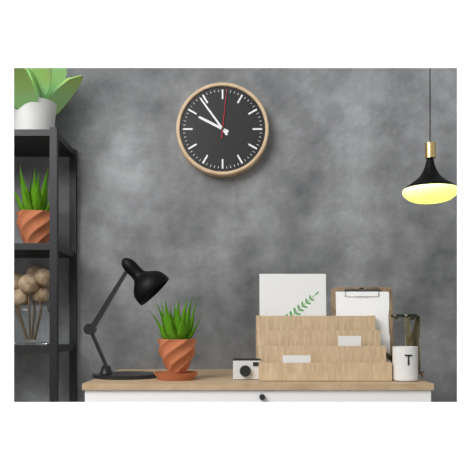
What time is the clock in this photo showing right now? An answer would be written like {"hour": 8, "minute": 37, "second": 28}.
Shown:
{"hour": 9, "minute": 54, "second": 1}
